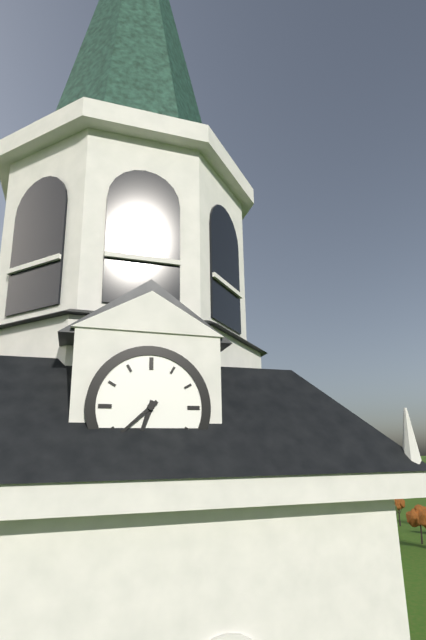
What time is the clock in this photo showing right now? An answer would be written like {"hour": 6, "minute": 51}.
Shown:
{"hour": 6, "minute": 38}
